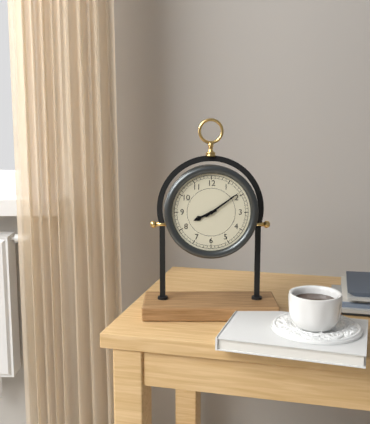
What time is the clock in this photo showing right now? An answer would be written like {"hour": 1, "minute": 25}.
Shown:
{"hour": 8, "minute": 9}
